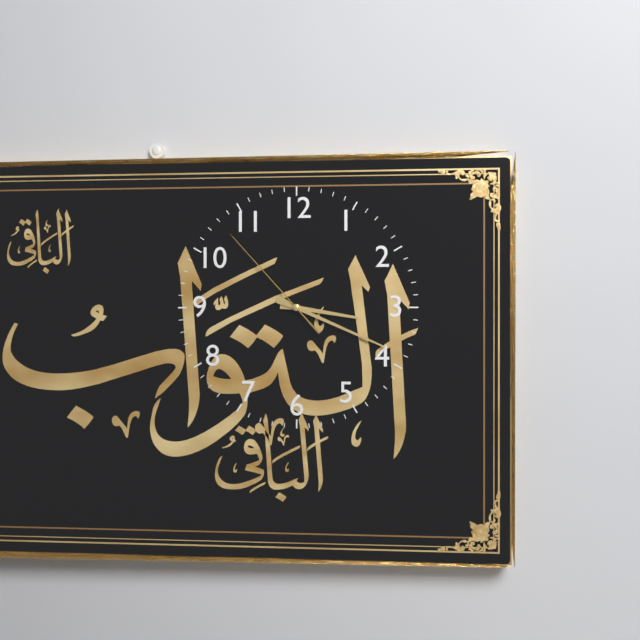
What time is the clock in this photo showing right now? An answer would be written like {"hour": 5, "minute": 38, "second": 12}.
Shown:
{"hour": 3, "minute": 19, "second": 53}
